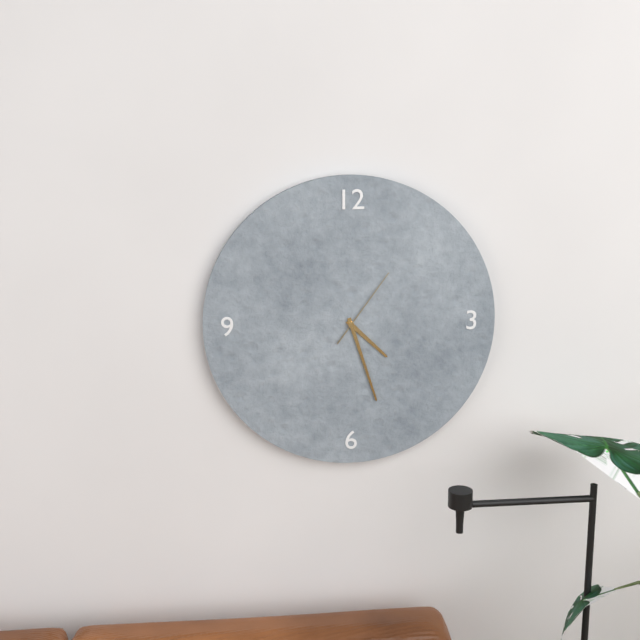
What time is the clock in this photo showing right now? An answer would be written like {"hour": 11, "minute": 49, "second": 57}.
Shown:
{"hour": 4, "minute": 27, "second": 6}
